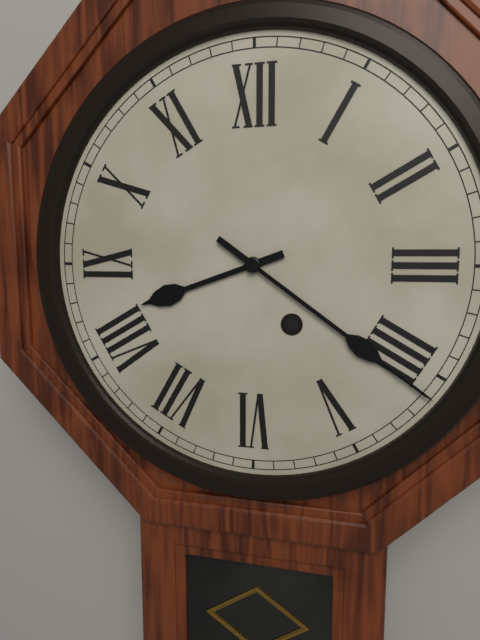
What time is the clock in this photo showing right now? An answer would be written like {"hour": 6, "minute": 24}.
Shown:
{"hour": 8, "minute": 21}
